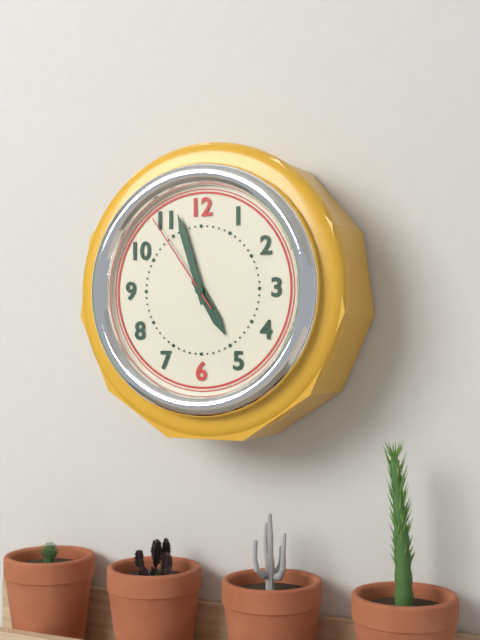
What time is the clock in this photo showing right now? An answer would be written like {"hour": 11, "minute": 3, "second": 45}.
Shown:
{"hour": 4, "minute": 57, "second": 54}
